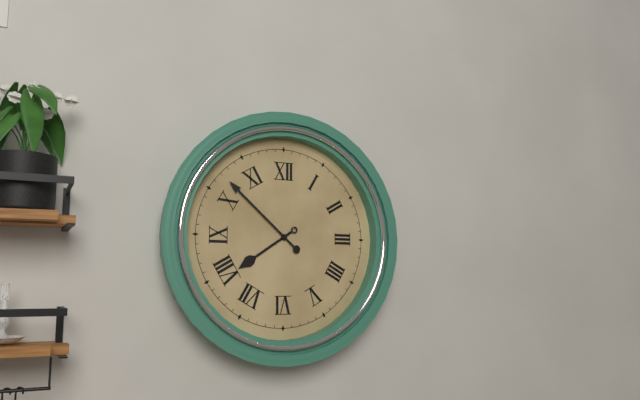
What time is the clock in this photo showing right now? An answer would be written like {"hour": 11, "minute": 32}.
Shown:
{"hour": 7, "minute": 52}
